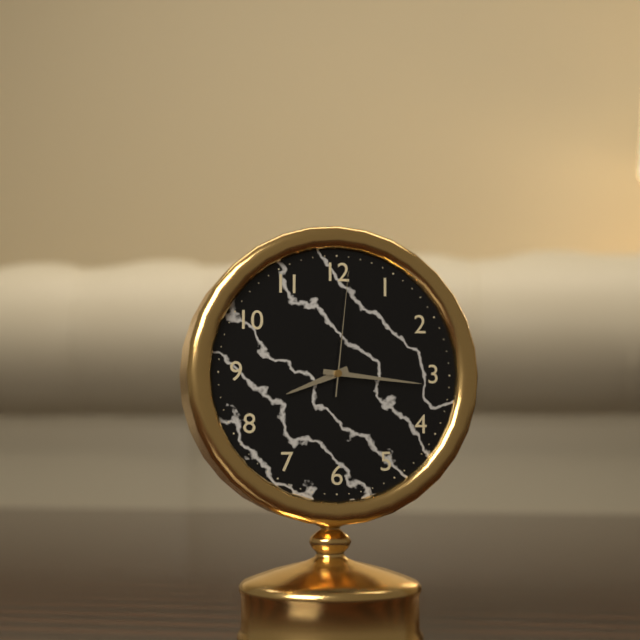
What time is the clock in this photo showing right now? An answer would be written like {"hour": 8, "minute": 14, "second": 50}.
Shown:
{"hour": 8, "minute": 16, "second": 1}
